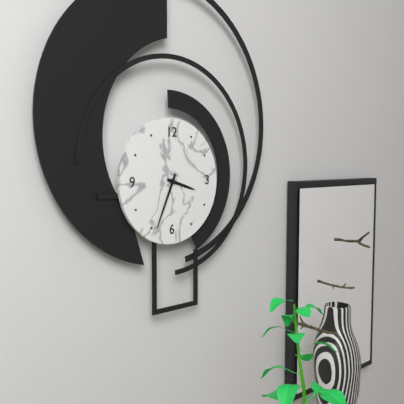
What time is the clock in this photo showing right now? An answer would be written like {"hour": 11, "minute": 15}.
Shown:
{"hour": 3, "minute": 34}
